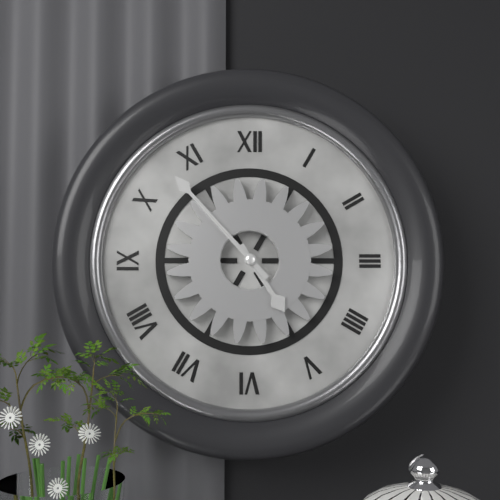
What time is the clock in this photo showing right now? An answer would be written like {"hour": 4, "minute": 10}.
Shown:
{"hour": 4, "minute": 53}
